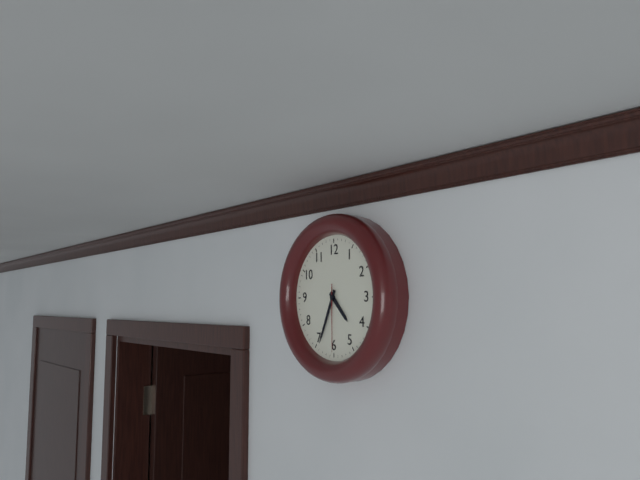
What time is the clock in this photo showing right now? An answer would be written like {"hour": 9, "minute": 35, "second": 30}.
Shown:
{"hour": 4, "minute": 34, "second": 30}
